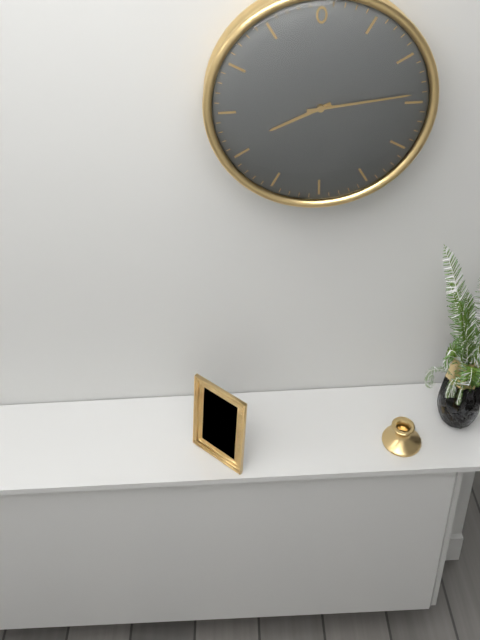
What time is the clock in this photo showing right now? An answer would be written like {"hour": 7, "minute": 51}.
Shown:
{"hour": 8, "minute": 14}
